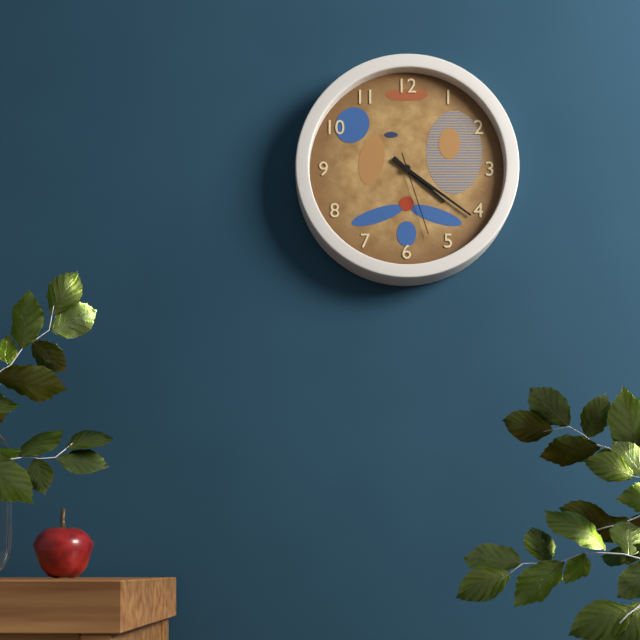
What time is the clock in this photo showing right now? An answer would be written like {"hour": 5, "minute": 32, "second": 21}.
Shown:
{"hour": 4, "minute": 21, "second": 27}
